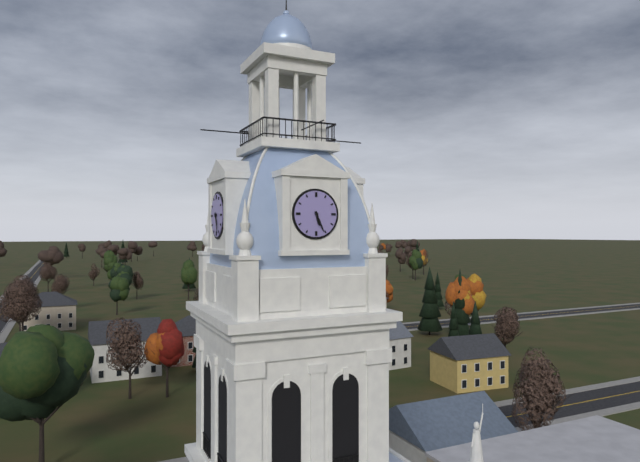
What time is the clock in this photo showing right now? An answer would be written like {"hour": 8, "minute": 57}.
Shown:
{"hour": 5, "minute": 26}
